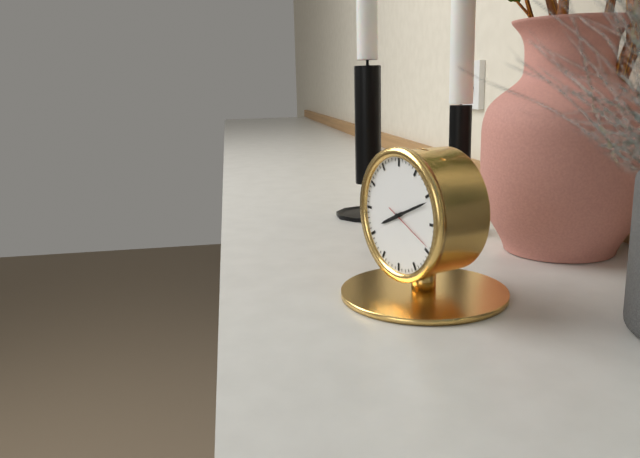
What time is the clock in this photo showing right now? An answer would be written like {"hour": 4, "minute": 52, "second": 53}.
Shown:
{"hour": 8, "minute": 11, "second": 19}
